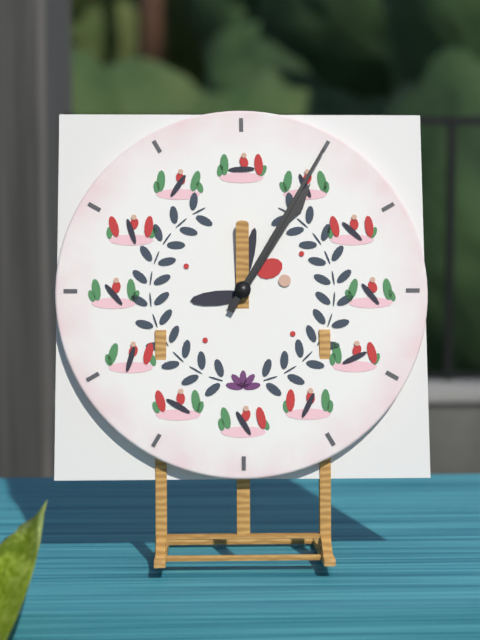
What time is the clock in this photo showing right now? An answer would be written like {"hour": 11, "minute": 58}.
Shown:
{"hour": 1, "minute": 5}
